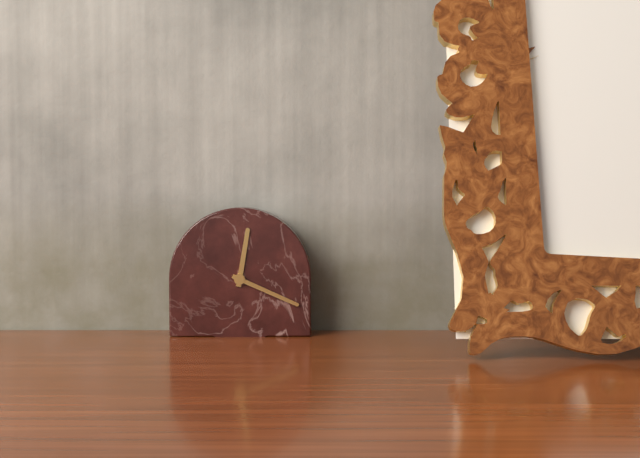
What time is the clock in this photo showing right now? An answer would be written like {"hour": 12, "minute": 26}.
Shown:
{"hour": 12, "minute": 19}
